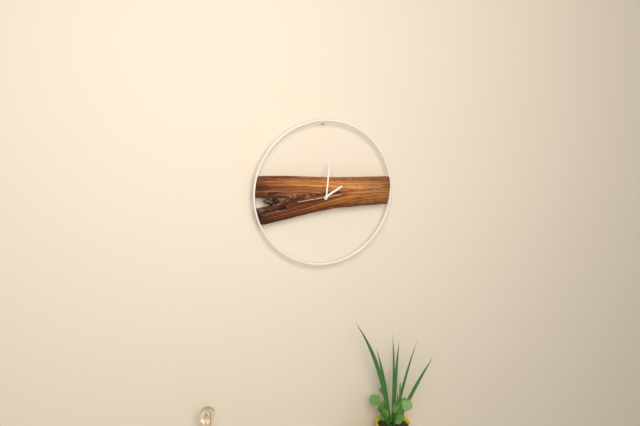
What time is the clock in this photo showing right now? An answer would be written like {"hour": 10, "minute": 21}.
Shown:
{"hour": 2, "minute": 1}
